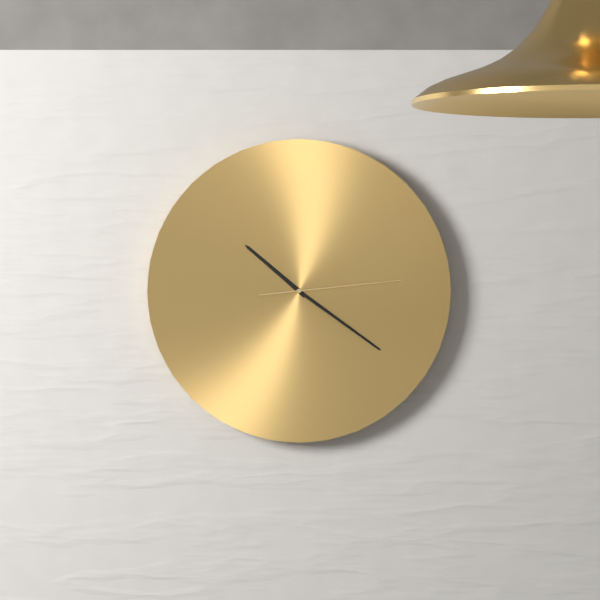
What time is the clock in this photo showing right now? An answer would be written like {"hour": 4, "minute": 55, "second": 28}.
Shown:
{"hour": 10, "minute": 21, "second": 14}
